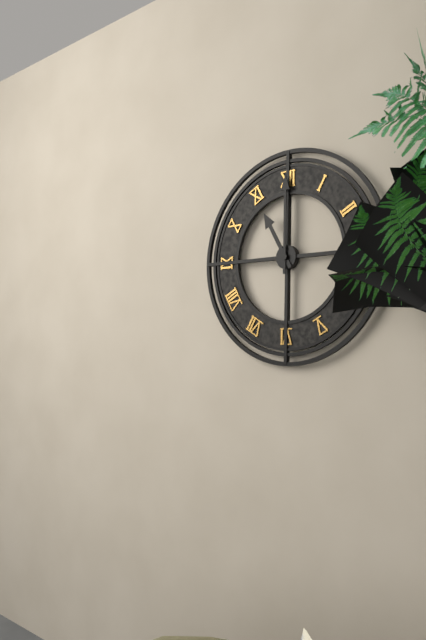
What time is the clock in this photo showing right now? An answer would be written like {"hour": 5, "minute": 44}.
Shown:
{"hour": 11, "minute": 0}
